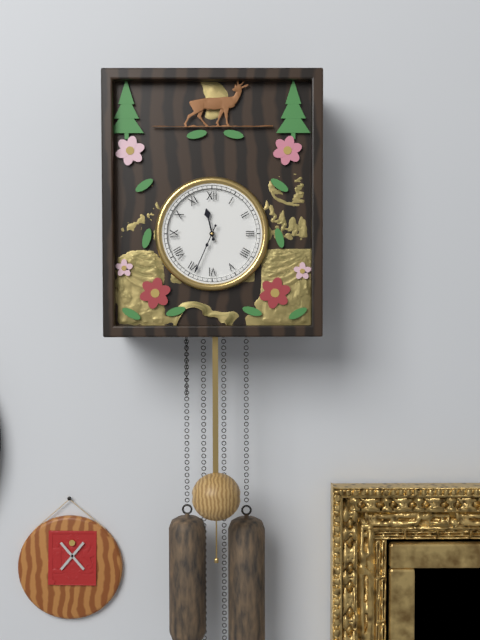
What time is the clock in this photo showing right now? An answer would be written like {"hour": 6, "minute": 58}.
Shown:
{"hour": 11, "minute": 34}
